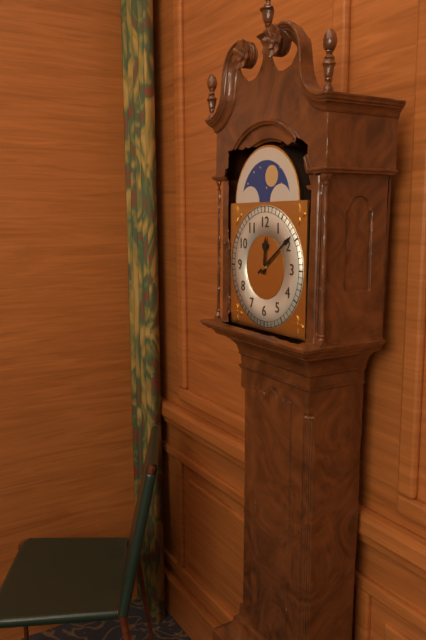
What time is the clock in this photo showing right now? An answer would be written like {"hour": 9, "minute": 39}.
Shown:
{"hour": 12, "minute": 9}
